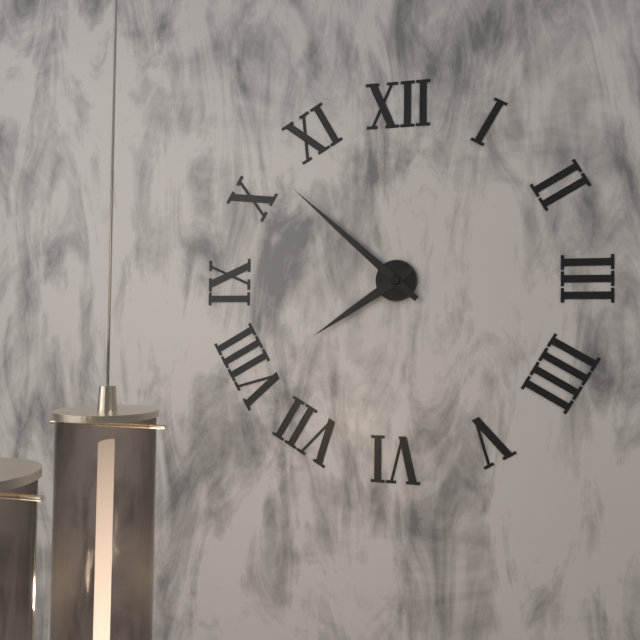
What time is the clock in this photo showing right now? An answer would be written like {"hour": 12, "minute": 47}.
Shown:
{"hour": 7, "minute": 52}
